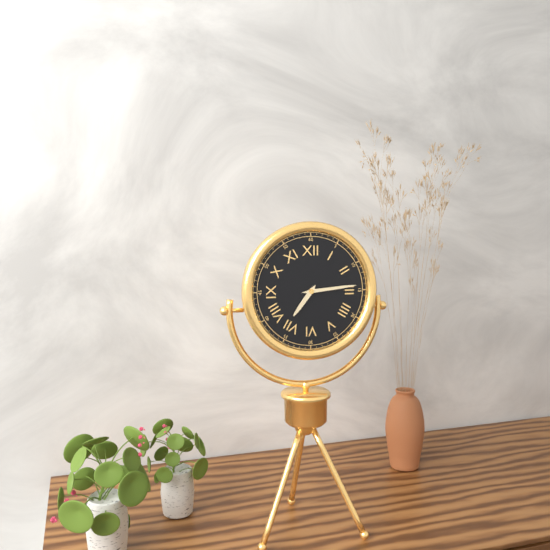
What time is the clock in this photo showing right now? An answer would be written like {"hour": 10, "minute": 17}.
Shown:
{"hour": 7, "minute": 14}
